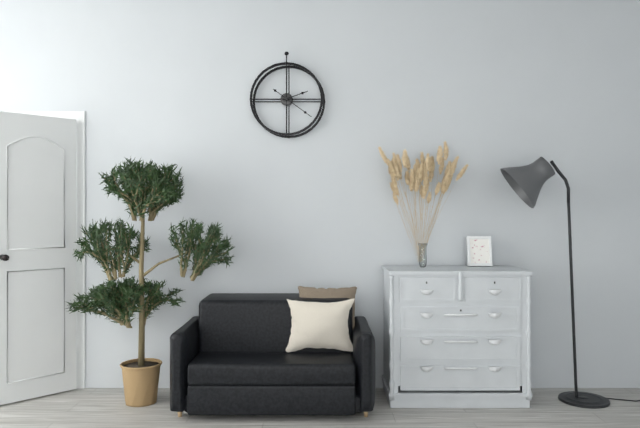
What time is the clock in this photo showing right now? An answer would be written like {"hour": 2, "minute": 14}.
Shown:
{"hour": 2, "minute": 21}
